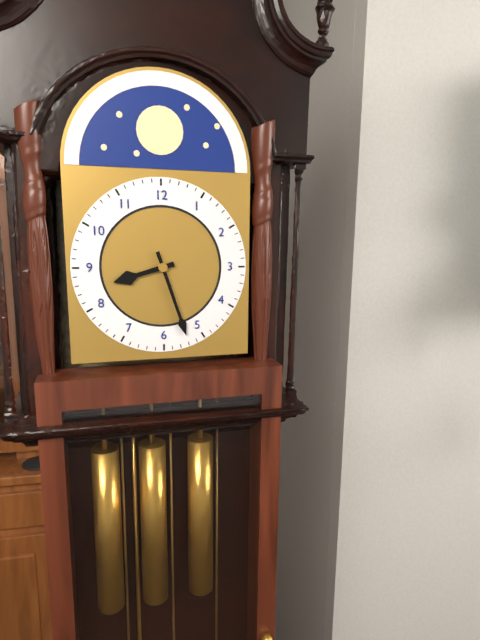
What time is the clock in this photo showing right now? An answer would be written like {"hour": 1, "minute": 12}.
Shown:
{"hour": 8, "minute": 27}
